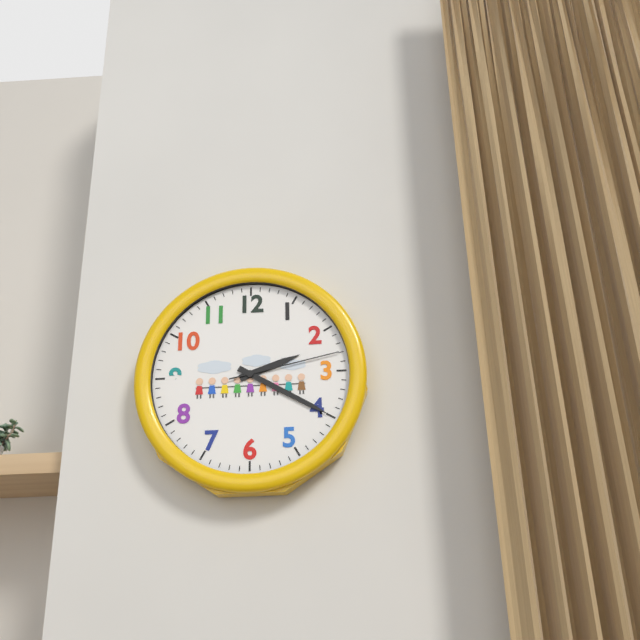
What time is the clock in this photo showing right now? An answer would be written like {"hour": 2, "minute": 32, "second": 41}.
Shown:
{"hour": 2, "minute": 20, "second": 13}
